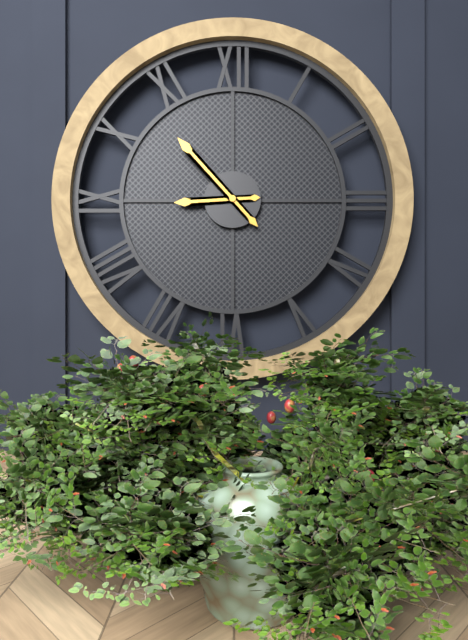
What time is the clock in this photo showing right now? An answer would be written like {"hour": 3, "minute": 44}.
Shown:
{"hour": 8, "minute": 53}
